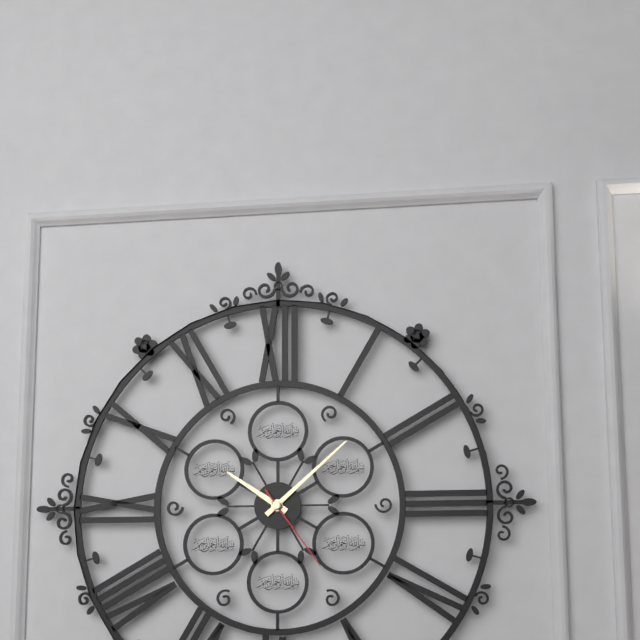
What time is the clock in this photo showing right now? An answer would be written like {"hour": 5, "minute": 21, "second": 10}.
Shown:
{"hour": 10, "minute": 8, "second": 24}
